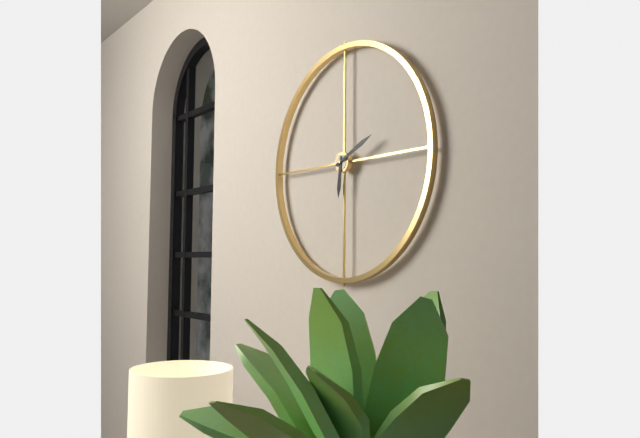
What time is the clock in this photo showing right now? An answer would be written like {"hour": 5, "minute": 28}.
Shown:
{"hour": 6, "minute": 11}
